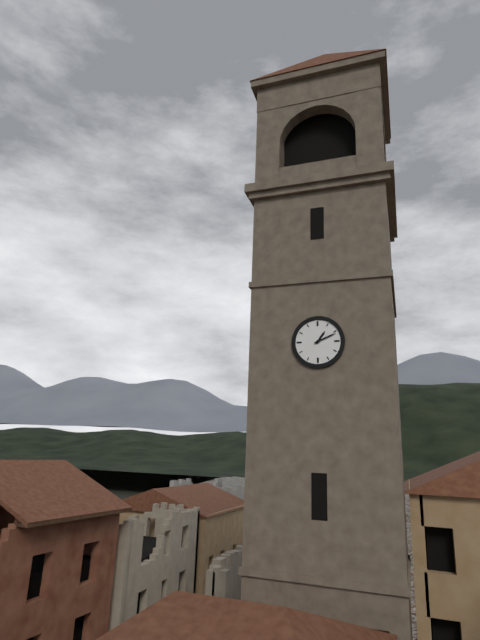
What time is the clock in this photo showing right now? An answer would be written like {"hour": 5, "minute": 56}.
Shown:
{"hour": 1, "minute": 11}
